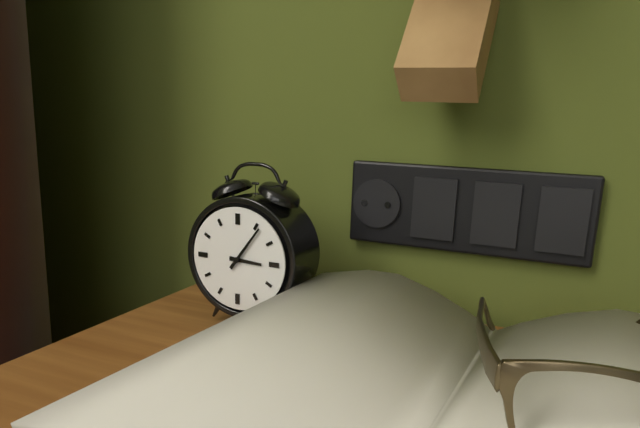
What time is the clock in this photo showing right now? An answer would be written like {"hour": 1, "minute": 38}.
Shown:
{"hour": 3, "minute": 6}
